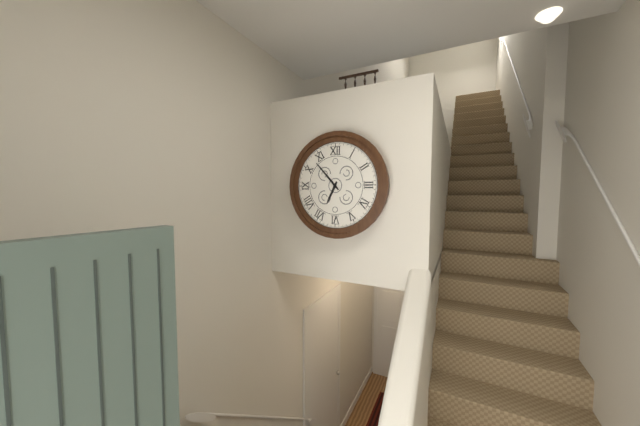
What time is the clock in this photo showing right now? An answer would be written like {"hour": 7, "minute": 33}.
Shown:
{"hour": 6, "minute": 53}
